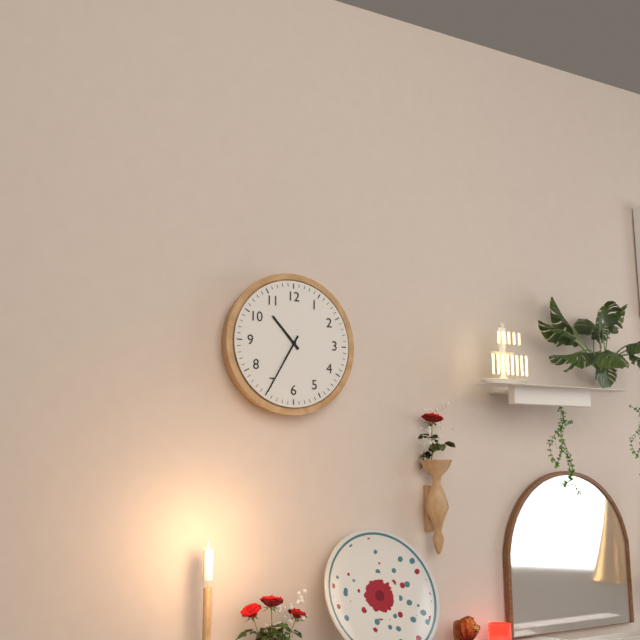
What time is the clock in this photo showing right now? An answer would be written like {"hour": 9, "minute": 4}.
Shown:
{"hour": 10, "minute": 35}
